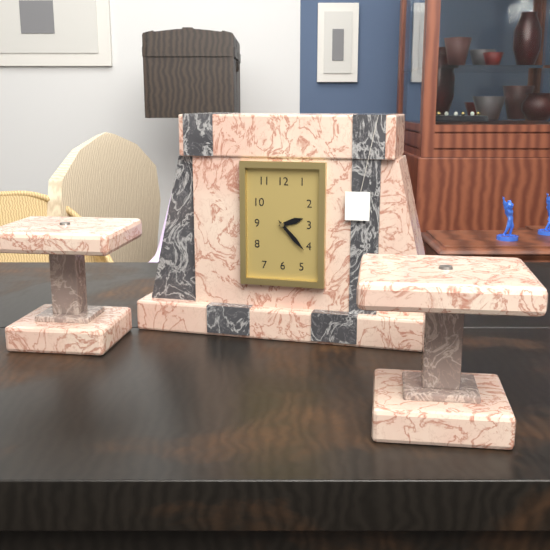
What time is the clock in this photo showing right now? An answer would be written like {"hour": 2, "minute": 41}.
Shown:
{"hour": 2, "minute": 23}
